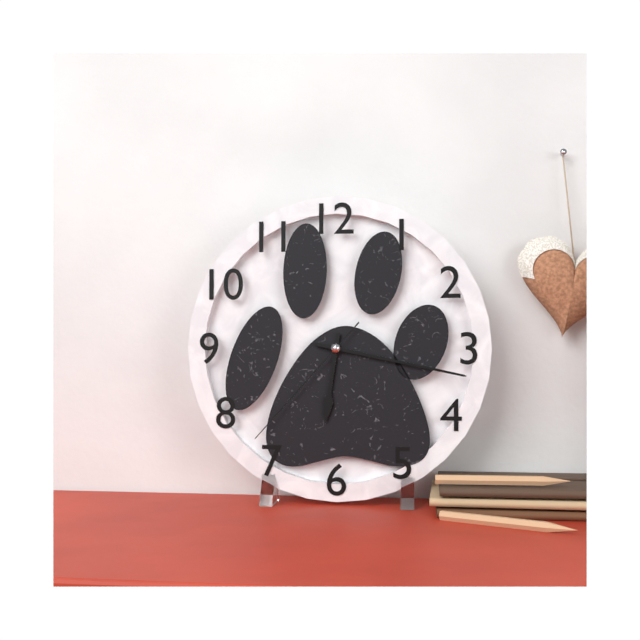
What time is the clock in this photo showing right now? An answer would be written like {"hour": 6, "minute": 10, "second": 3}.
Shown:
{"hour": 6, "minute": 17, "second": 37}
